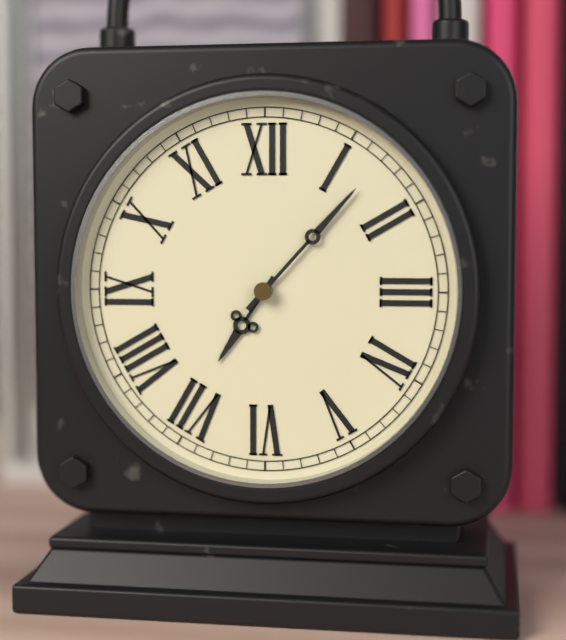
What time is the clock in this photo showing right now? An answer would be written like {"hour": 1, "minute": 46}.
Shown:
{"hour": 7, "minute": 7}
